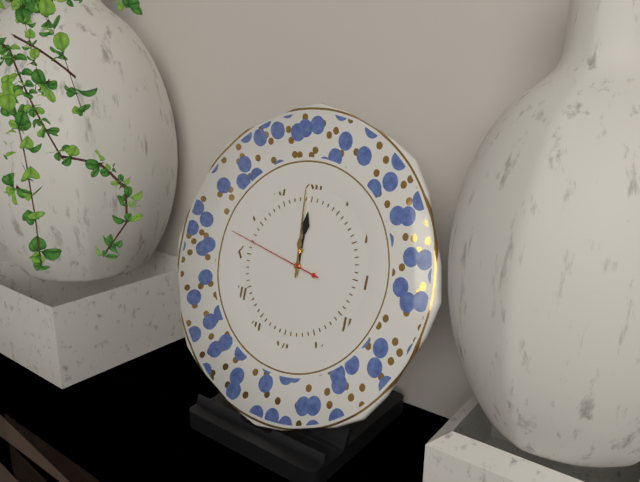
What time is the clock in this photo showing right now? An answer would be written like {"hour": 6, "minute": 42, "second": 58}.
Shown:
{"hour": 11, "minute": 59, "second": 47}
